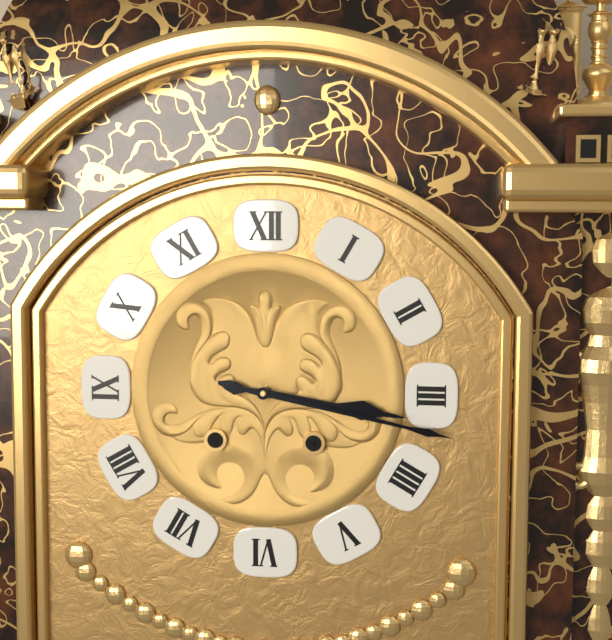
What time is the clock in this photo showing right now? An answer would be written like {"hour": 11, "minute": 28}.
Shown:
{"hour": 3, "minute": 17}
